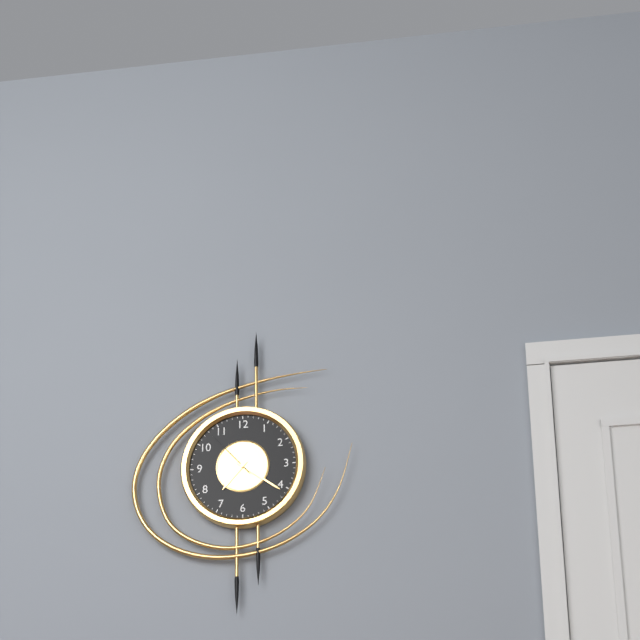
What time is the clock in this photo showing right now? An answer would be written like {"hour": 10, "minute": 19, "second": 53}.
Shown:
{"hour": 7, "minute": 21, "second": 53}
